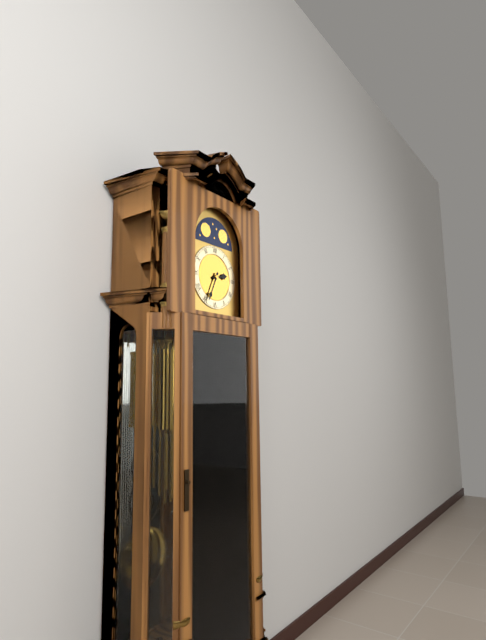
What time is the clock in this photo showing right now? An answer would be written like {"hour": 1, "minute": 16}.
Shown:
{"hour": 2, "minute": 34}
